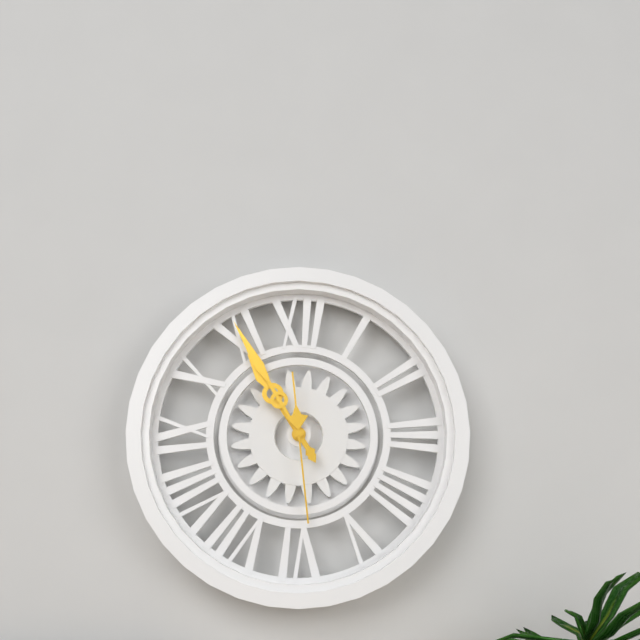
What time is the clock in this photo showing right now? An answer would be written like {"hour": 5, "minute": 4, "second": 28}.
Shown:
{"hour": 10, "minute": 55, "second": 29}
